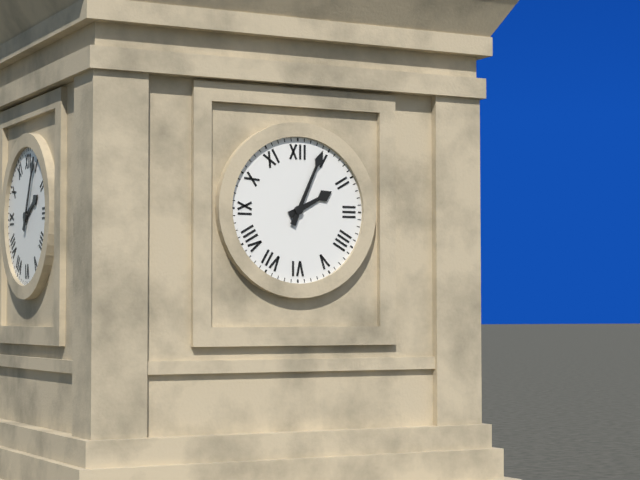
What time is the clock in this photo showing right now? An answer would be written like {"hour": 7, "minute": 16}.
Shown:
{"hour": 2, "minute": 4}
